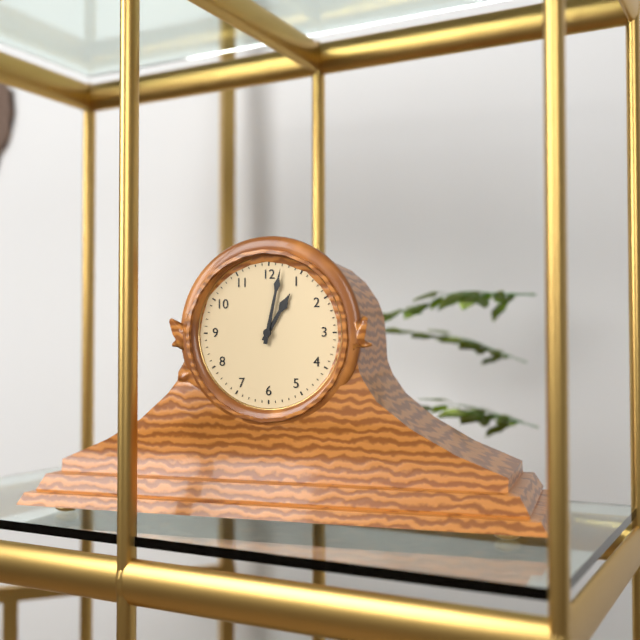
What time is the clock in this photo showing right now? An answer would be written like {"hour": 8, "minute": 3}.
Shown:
{"hour": 1, "minute": 2}
